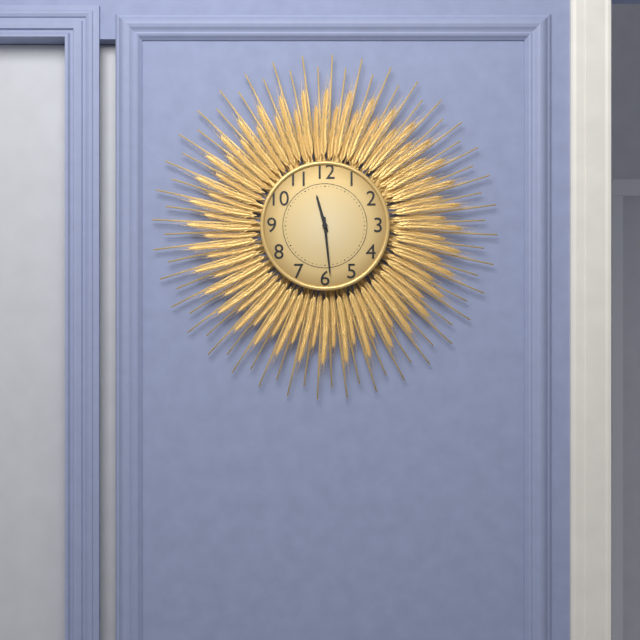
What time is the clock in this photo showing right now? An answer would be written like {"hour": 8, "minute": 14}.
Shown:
{"hour": 11, "minute": 29}
